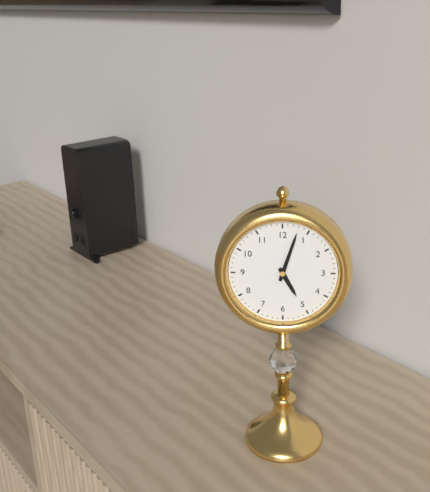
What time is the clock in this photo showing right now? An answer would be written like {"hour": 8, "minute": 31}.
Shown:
{"hour": 5, "minute": 3}
